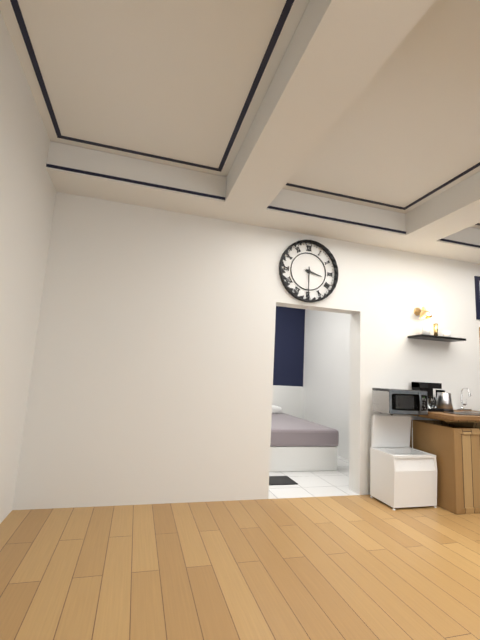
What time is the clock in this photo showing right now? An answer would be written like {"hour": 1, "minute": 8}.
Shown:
{"hour": 3, "minute": 30}
